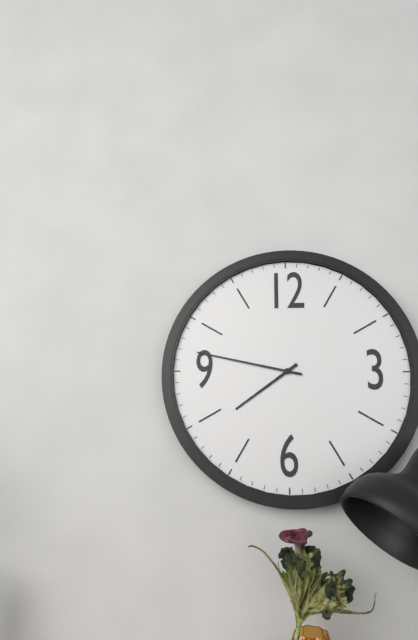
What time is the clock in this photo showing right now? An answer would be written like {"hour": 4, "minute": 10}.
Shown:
{"hour": 7, "minute": 47}
